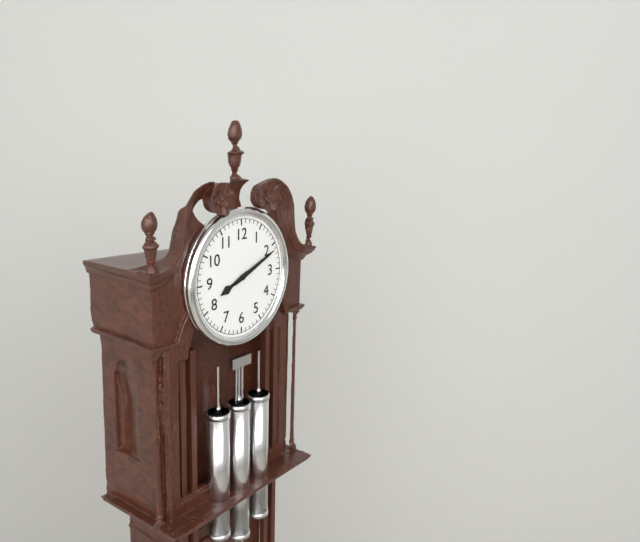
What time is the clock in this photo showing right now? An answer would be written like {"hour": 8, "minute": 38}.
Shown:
{"hour": 8, "minute": 11}
